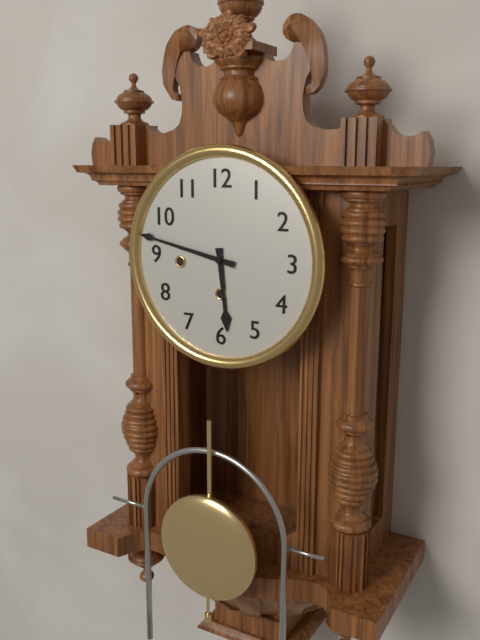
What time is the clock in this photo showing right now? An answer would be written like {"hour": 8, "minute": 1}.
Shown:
{"hour": 5, "minute": 47}
